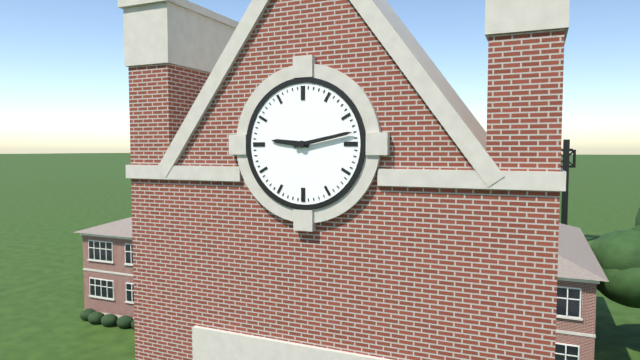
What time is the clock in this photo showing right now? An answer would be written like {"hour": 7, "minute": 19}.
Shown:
{"hour": 9, "minute": 13}
